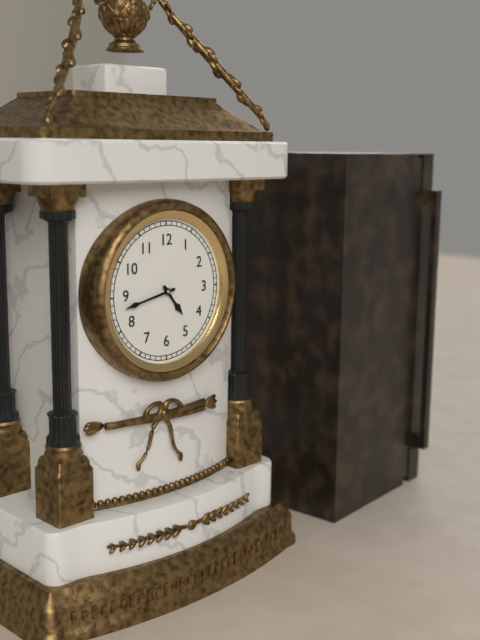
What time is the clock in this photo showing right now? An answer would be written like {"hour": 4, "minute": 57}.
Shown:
{"hour": 4, "minute": 43}
